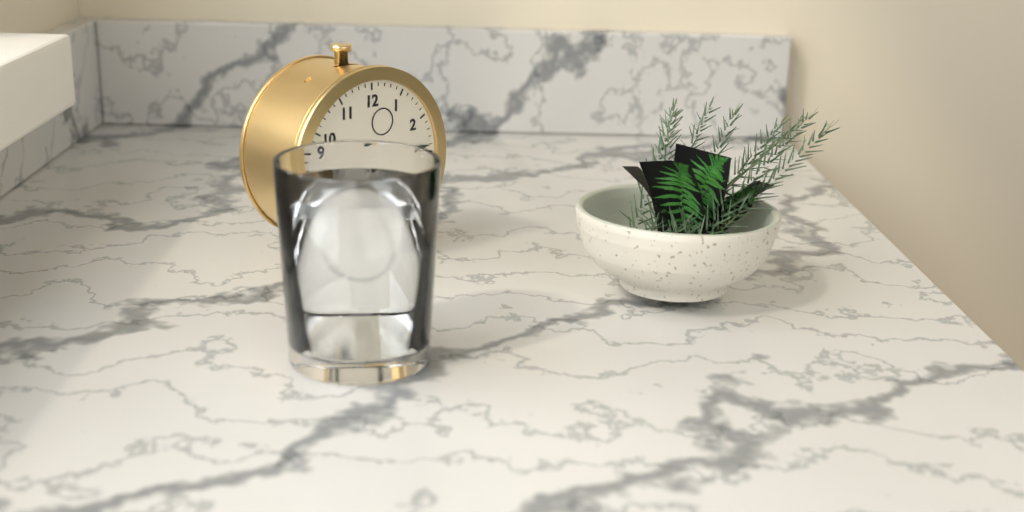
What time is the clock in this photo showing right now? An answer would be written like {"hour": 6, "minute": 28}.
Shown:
{"hour": 3, "minute": 14}
